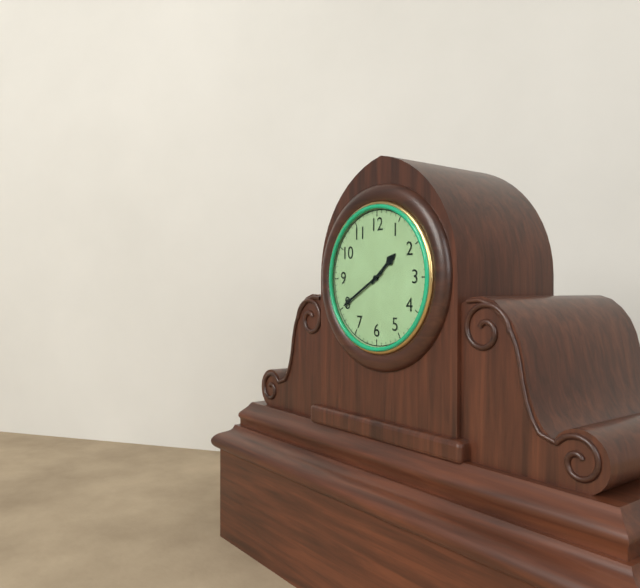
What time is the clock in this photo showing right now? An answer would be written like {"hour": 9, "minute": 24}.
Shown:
{"hour": 1, "minute": 40}
